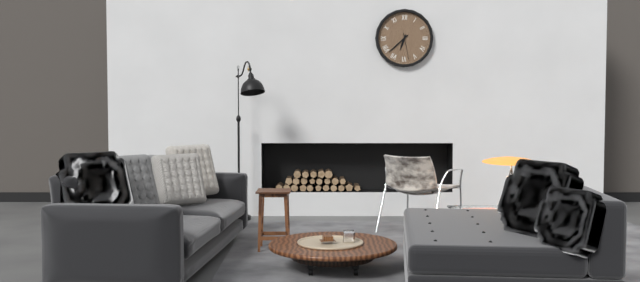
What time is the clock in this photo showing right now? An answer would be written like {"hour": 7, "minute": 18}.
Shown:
{"hour": 6, "minute": 38}
